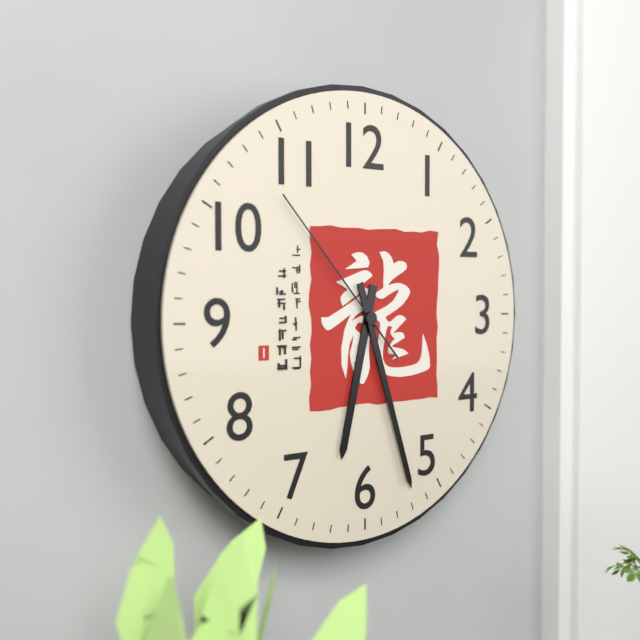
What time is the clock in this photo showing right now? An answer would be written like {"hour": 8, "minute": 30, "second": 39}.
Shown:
{"hour": 6, "minute": 27, "second": 53}
